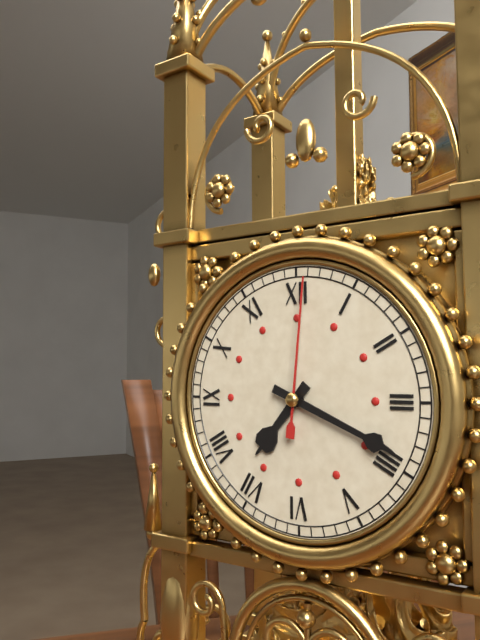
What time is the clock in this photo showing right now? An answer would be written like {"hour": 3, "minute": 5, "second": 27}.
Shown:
{"hour": 7, "minute": 19, "second": 1}
